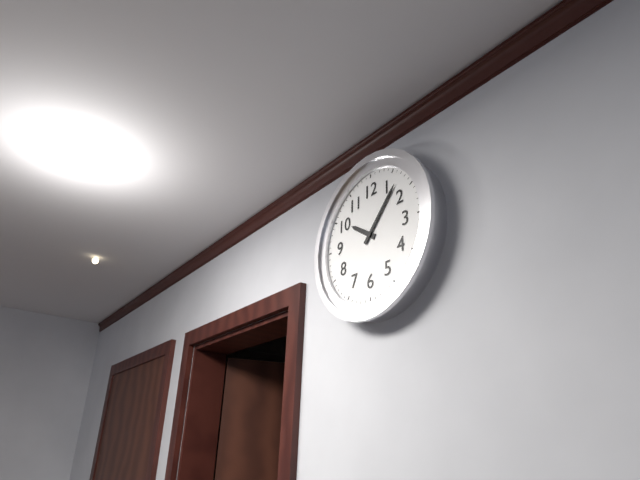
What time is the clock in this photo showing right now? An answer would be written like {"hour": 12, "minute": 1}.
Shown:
{"hour": 10, "minute": 7}
